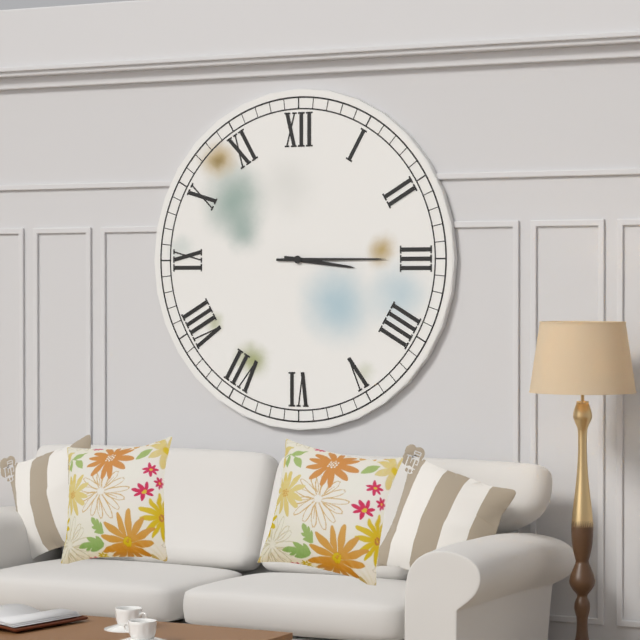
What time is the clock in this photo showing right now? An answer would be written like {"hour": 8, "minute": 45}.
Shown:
{"hour": 3, "minute": 15}
